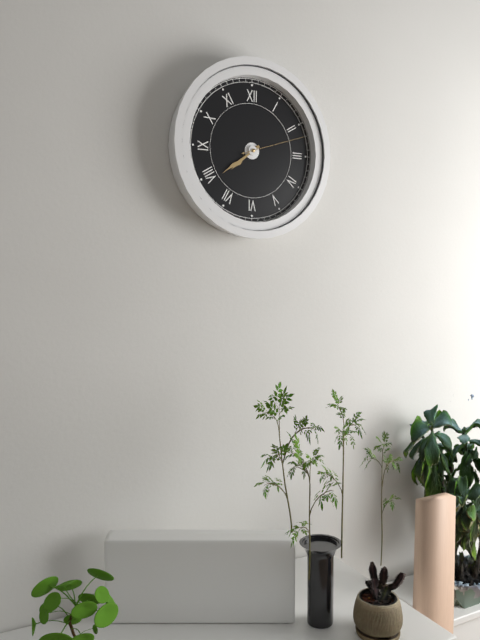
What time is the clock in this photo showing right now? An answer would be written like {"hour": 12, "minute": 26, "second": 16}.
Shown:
{"hour": 7, "minute": 39, "second": 12}
